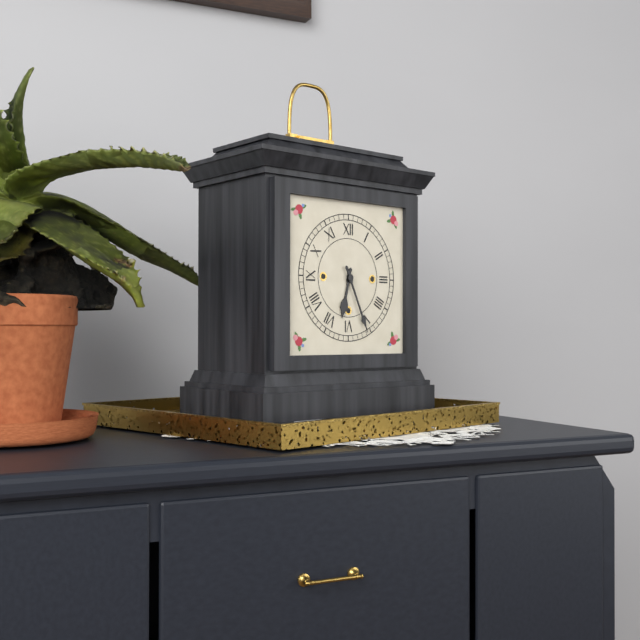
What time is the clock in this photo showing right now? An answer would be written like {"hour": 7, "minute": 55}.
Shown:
{"hour": 6, "minute": 26}
